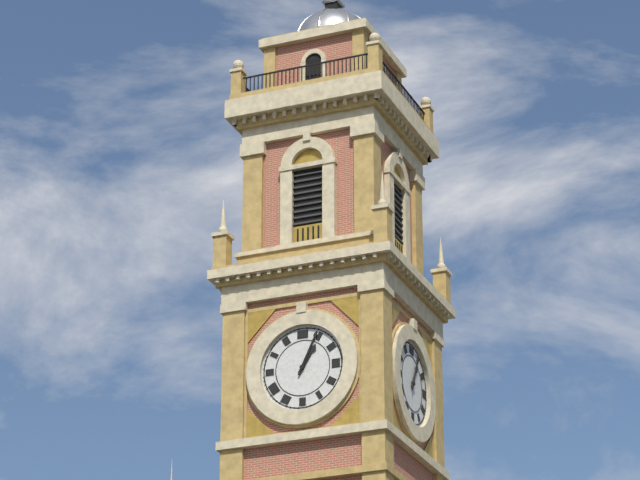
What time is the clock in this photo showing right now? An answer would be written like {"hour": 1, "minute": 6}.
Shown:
{"hour": 1, "minute": 4}
